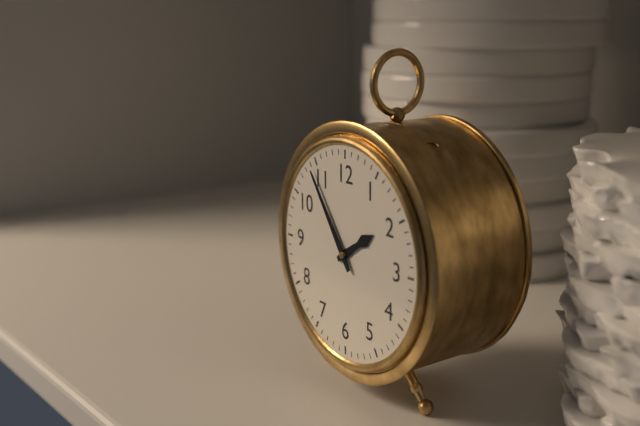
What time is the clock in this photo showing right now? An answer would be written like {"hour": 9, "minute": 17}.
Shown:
{"hour": 1, "minute": 54}
